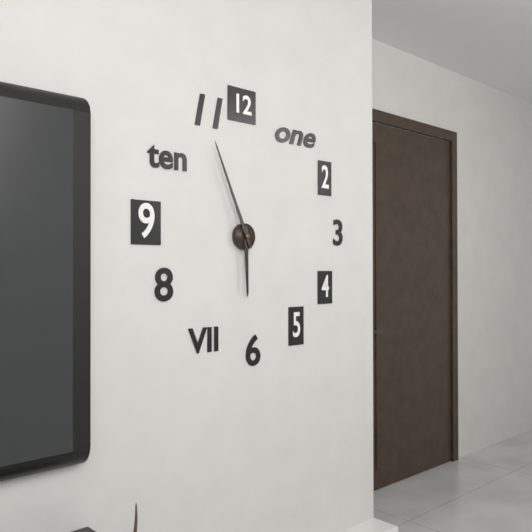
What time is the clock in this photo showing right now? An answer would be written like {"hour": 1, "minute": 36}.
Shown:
{"hour": 5, "minute": 56}
